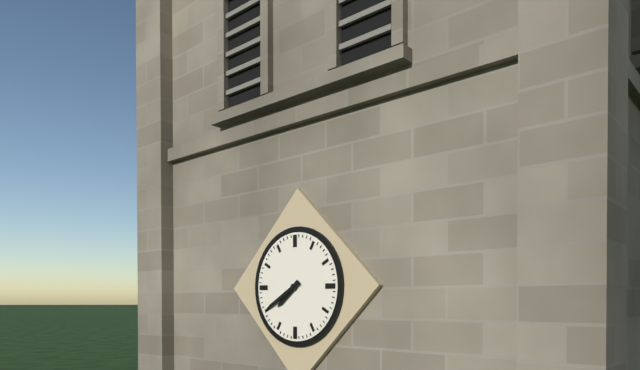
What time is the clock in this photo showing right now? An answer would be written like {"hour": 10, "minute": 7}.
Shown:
{"hour": 7, "minute": 40}
